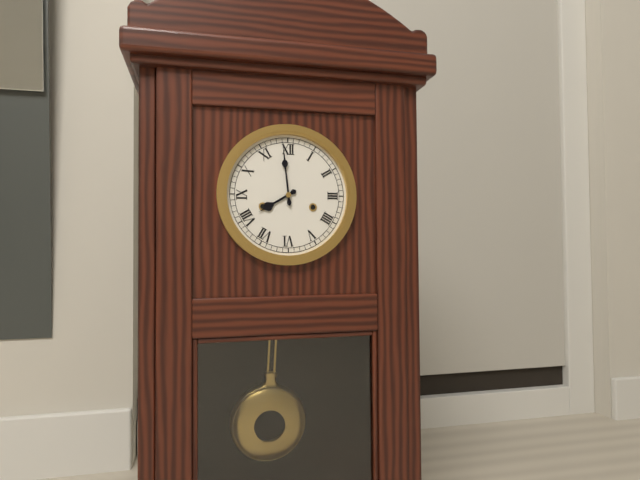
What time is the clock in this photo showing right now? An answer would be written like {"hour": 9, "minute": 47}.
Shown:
{"hour": 7, "minute": 59}
